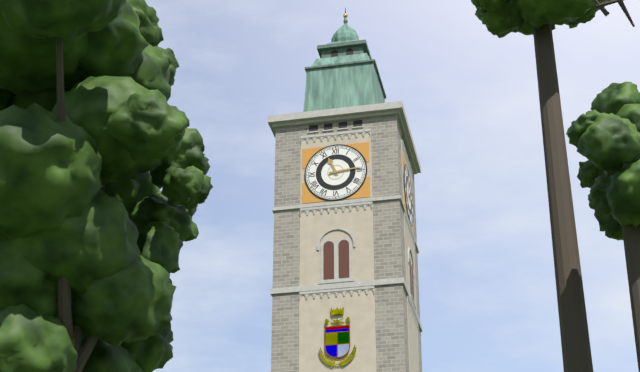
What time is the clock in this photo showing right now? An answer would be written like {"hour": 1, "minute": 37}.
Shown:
{"hour": 11, "minute": 14}
